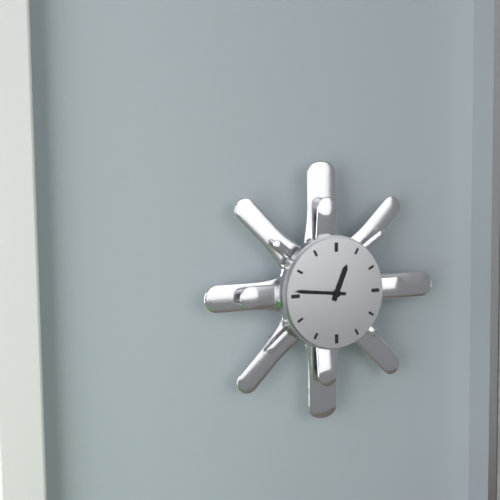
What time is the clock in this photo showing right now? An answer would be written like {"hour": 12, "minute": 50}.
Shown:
{"hour": 12, "minute": 46}
